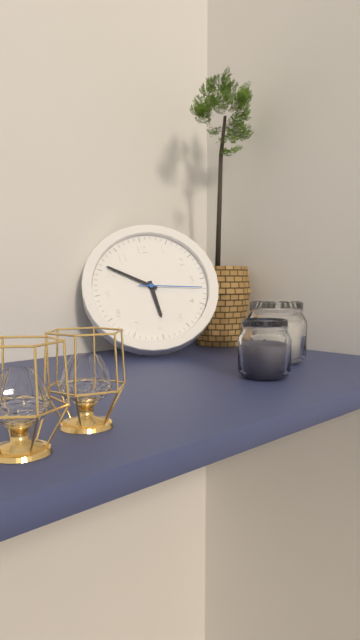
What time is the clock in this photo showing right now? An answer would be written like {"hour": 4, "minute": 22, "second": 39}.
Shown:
{"hour": 5, "minute": 51, "second": 17}
